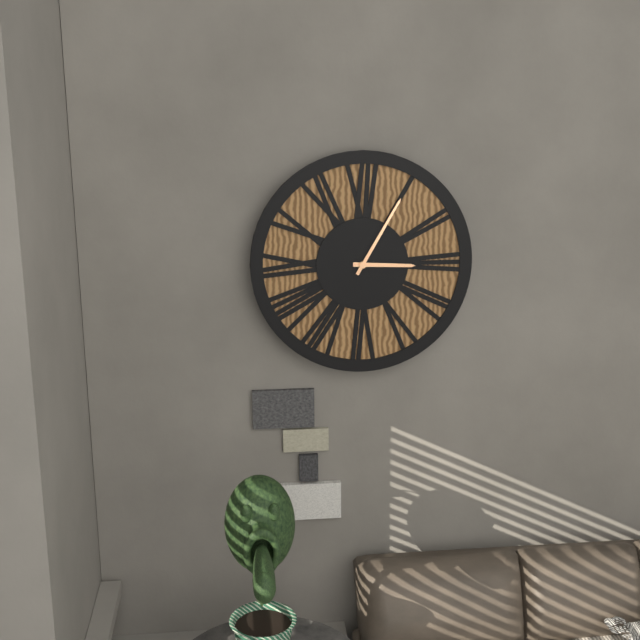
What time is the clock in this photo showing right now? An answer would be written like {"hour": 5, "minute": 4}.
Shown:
{"hour": 3, "minute": 5}
